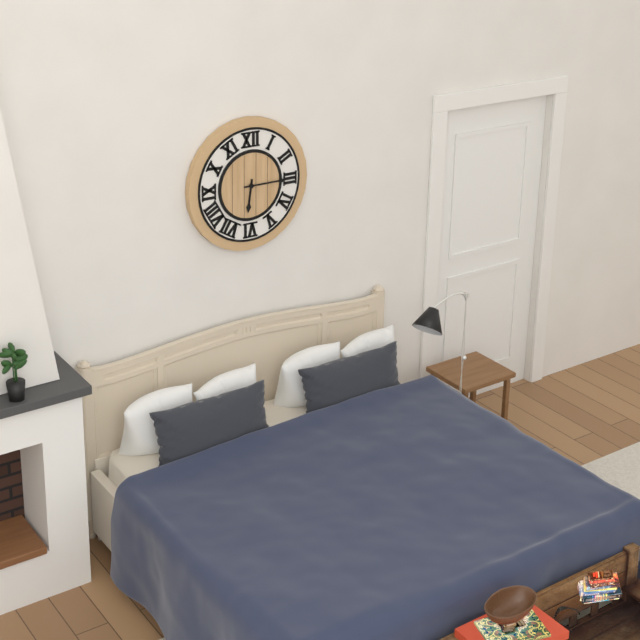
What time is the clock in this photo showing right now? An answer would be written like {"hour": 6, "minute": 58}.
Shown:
{"hour": 6, "minute": 15}
